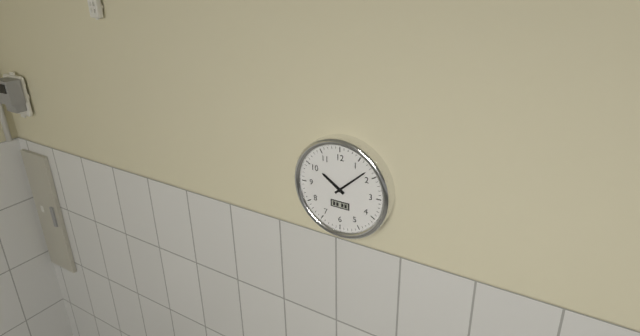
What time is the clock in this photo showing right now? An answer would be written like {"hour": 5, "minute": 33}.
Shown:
{"hour": 10, "minute": 8}
